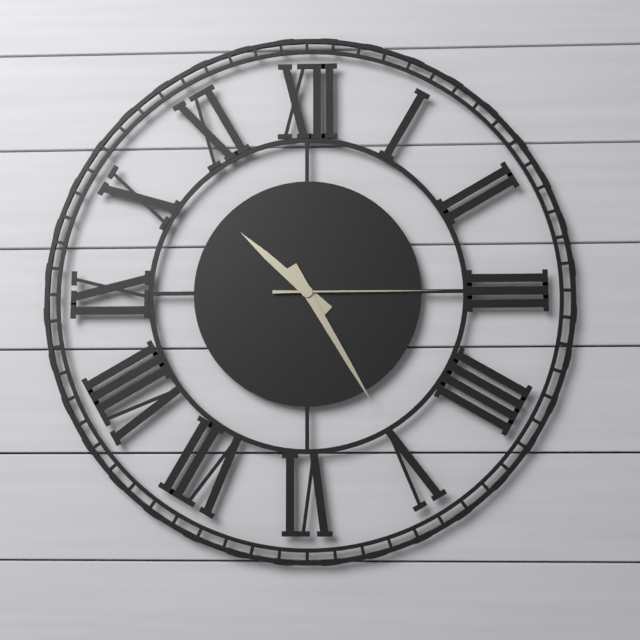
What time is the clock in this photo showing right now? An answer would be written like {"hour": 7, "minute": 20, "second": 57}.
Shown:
{"hour": 10, "minute": 25, "second": 15}
